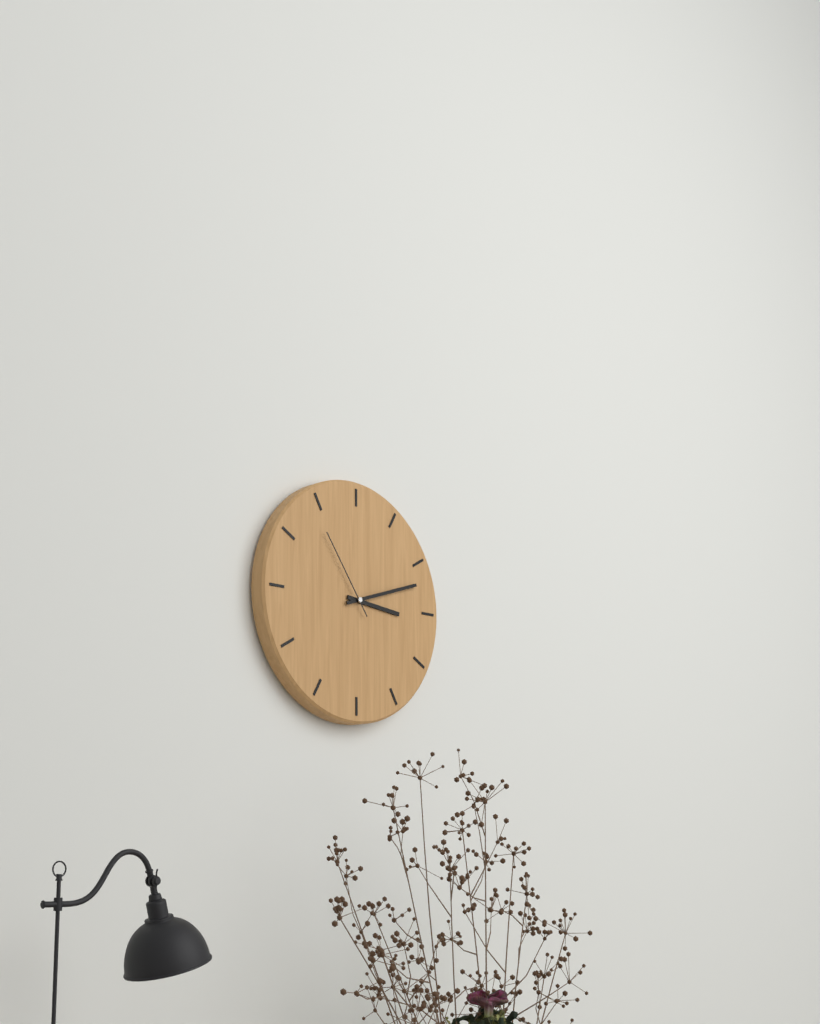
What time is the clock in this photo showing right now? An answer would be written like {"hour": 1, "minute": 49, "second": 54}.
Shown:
{"hour": 3, "minute": 12, "second": 54}
